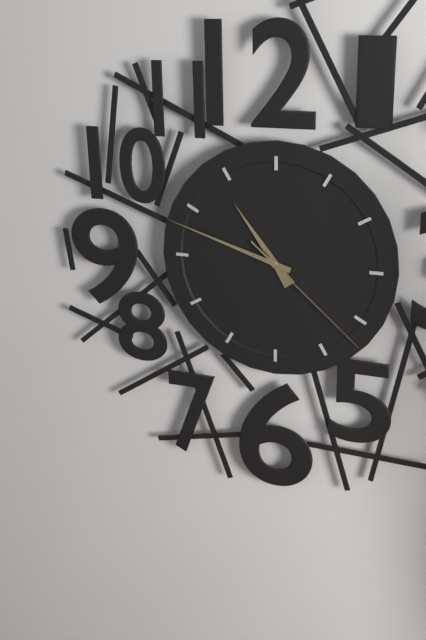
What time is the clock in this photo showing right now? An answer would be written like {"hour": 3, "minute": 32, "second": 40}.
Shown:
{"hour": 10, "minute": 48, "second": 22}
